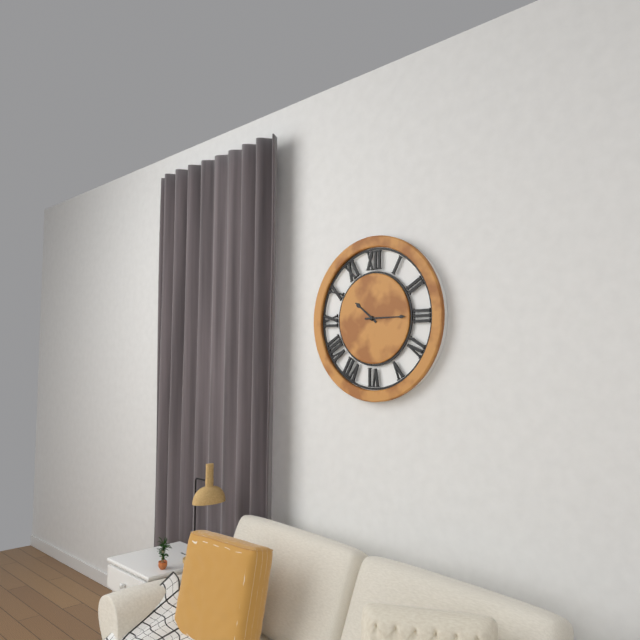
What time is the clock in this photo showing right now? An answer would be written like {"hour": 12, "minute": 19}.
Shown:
{"hour": 10, "minute": 15}
